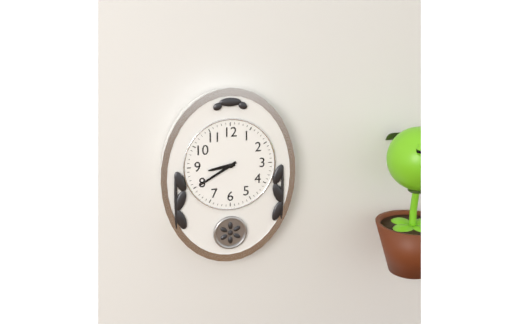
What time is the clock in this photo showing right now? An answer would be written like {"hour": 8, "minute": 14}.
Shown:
{"hour": 8, "minute": 40}
